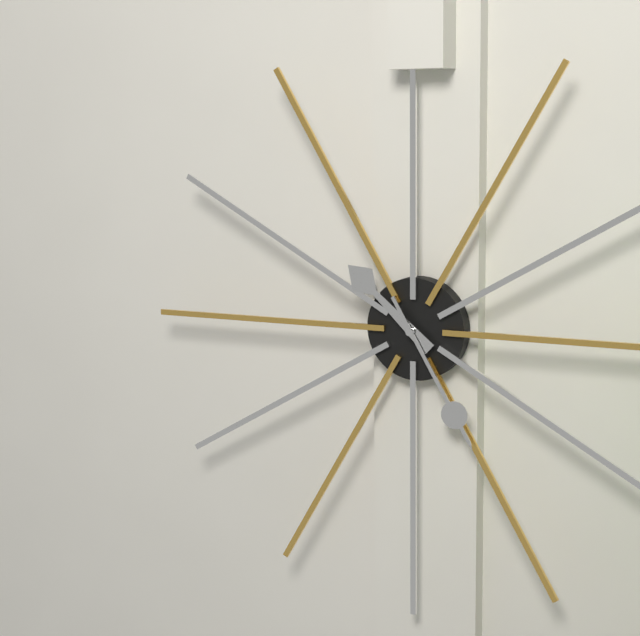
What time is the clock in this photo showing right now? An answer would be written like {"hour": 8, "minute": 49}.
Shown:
{"hour": 10, "minute": 25}
